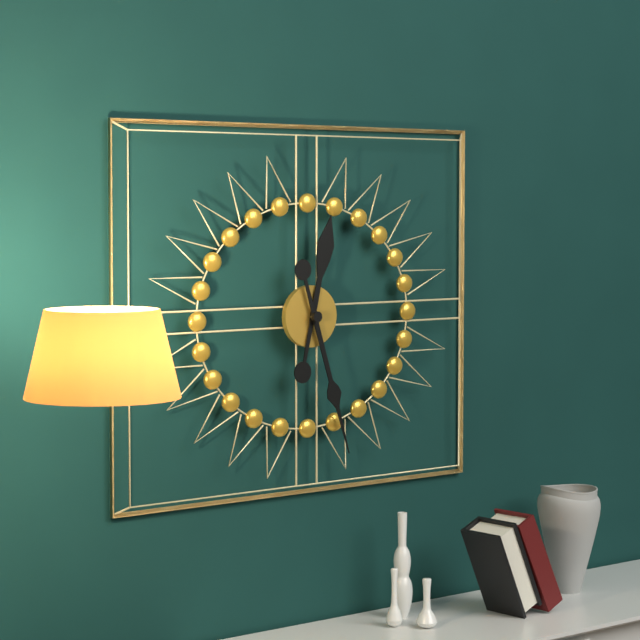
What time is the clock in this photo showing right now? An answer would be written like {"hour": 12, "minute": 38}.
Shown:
{"hour": 12, "minute": 27}
